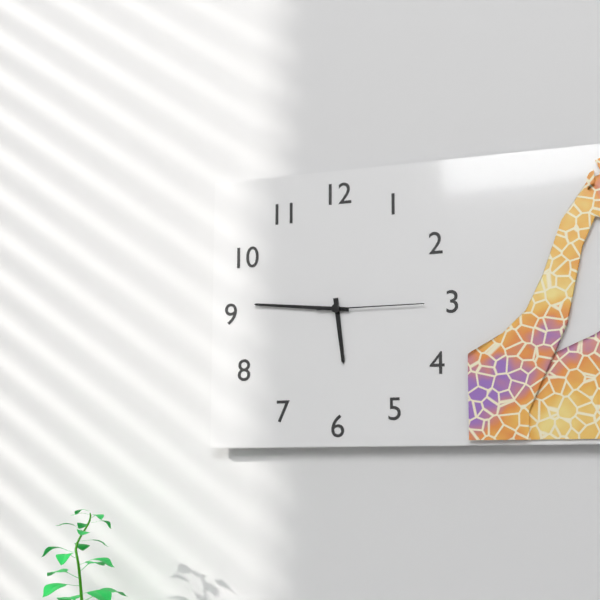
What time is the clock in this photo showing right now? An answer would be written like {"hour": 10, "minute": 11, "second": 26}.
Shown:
{"hour": 5, "minute": 46, "second": 15}
